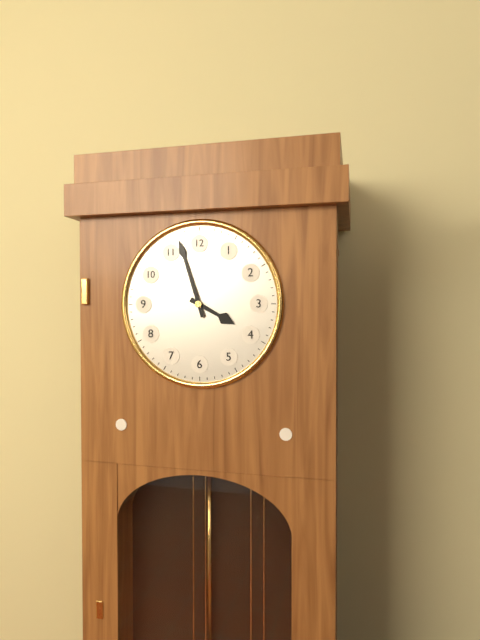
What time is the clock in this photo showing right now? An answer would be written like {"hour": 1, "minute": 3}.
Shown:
{"hour": 3, "minute": 57}
